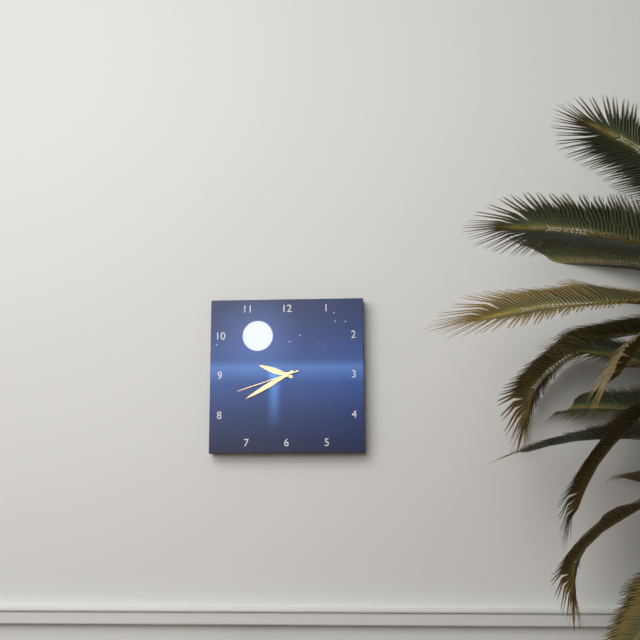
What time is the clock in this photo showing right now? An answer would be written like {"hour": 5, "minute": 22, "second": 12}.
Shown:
{"hour": 9, "minute": 40, "second": 42}
